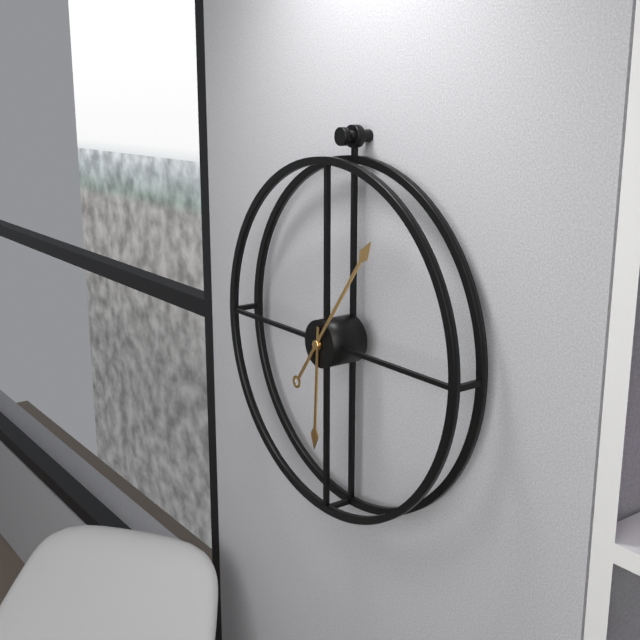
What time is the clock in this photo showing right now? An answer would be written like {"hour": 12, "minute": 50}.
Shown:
{"hour": 6, "minute": 6}
